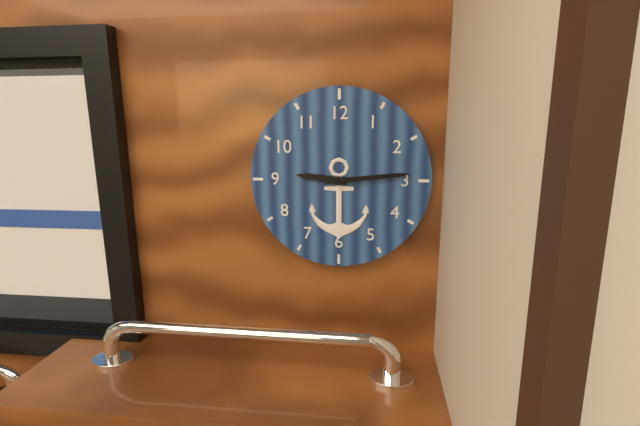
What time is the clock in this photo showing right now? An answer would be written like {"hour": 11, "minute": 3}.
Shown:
{"hour": 9, "minute": 14}
